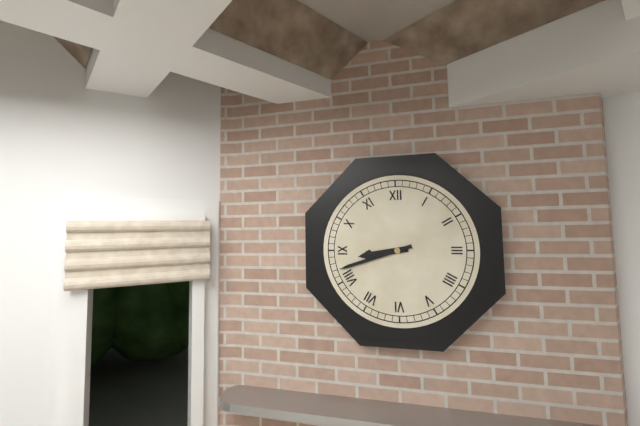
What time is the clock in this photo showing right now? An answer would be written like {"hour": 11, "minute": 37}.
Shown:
{"hour": 8, "minute": 42}
